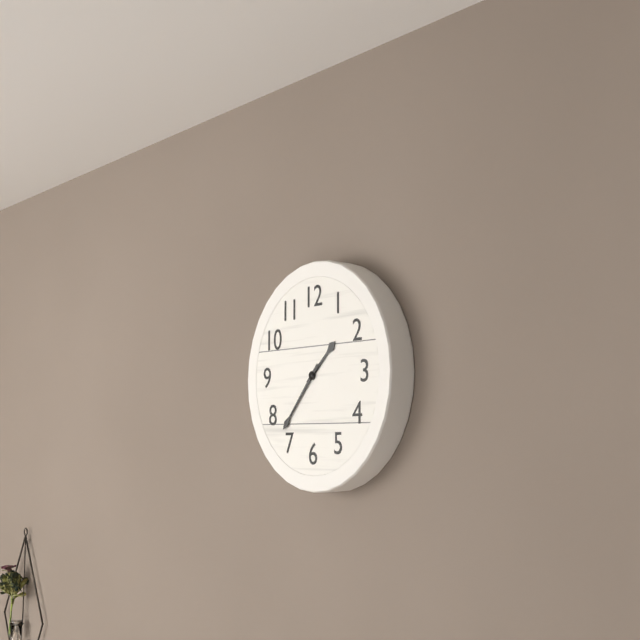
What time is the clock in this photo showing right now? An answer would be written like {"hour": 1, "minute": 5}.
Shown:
{"hour": 1, "minute": 37}
